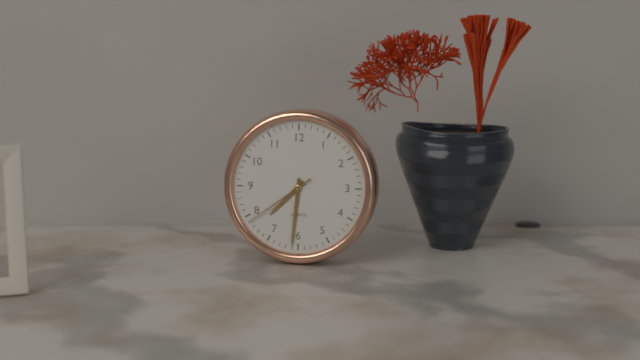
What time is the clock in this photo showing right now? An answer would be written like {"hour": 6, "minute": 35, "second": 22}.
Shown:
{"hour": 7, "minute": 31, "second": 39}
